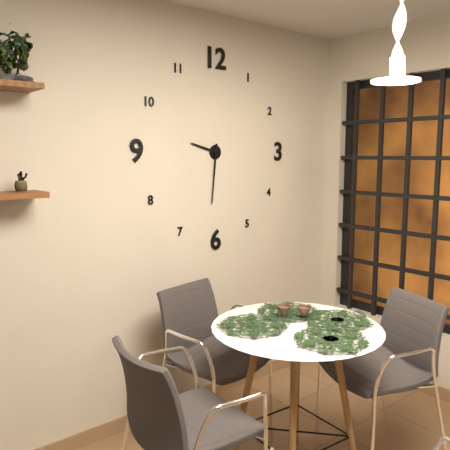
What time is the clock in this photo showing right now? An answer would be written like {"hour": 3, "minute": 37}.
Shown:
{"hour": 9, "minute": 31}
